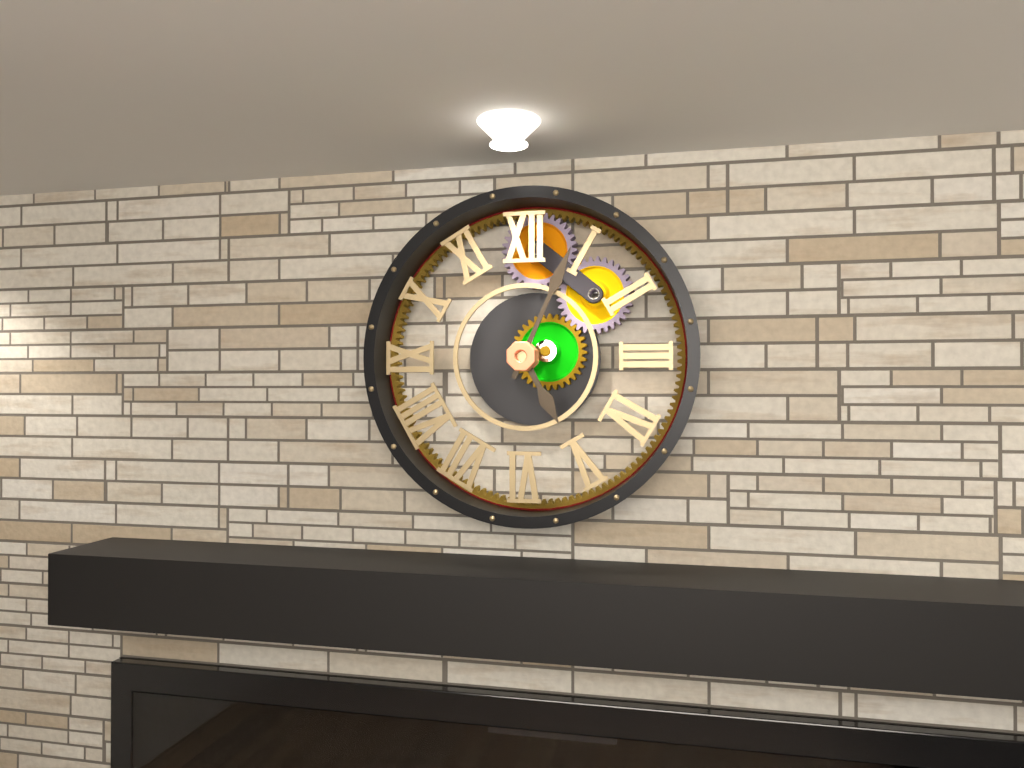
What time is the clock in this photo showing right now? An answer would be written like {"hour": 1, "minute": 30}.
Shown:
{"hour": 5, "minute": 4}
